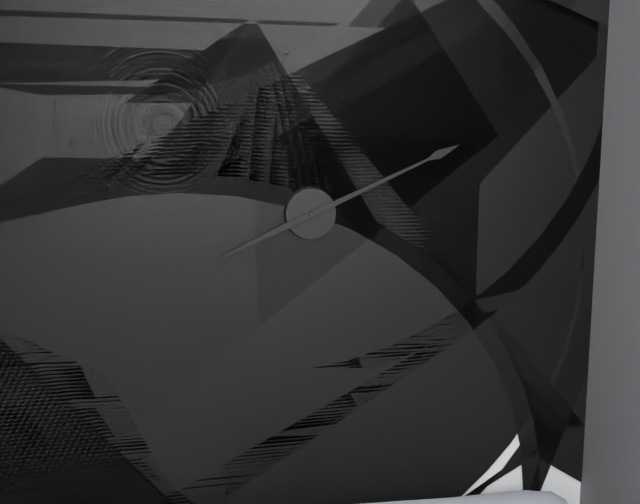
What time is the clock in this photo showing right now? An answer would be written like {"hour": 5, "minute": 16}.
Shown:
{"hour": 8, "minute": 11}
